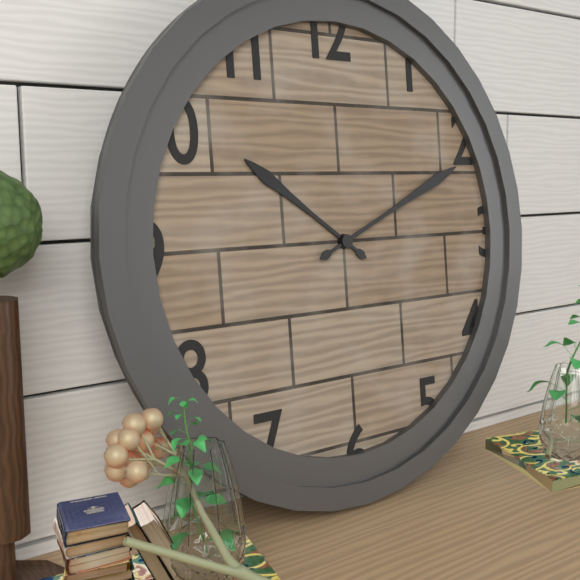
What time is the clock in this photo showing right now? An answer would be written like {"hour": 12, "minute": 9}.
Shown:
{"hour": 10, "minute": 11}
